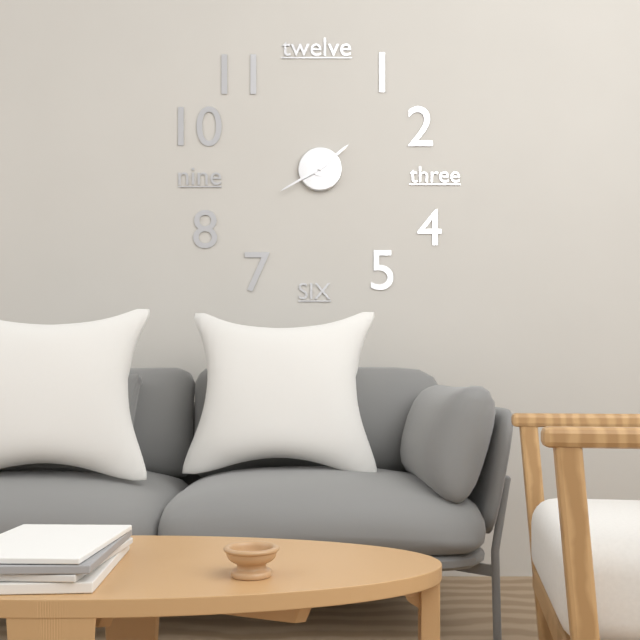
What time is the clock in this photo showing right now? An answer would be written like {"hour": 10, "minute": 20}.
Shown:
{"hour": 1, "minute": 40}
